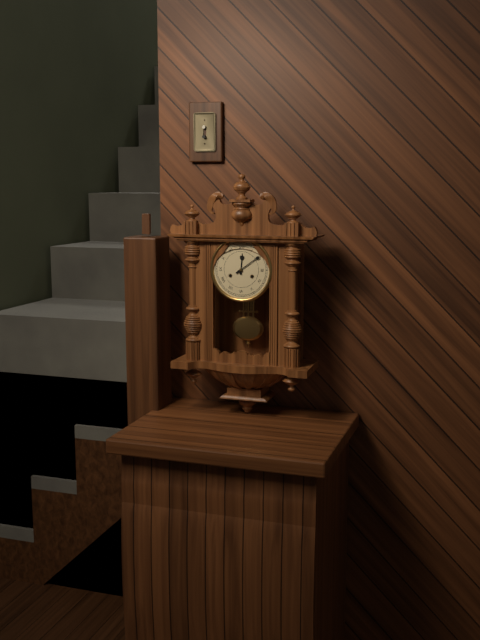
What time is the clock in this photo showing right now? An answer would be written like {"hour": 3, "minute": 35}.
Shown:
{"hour": 12, "minute": 9}
